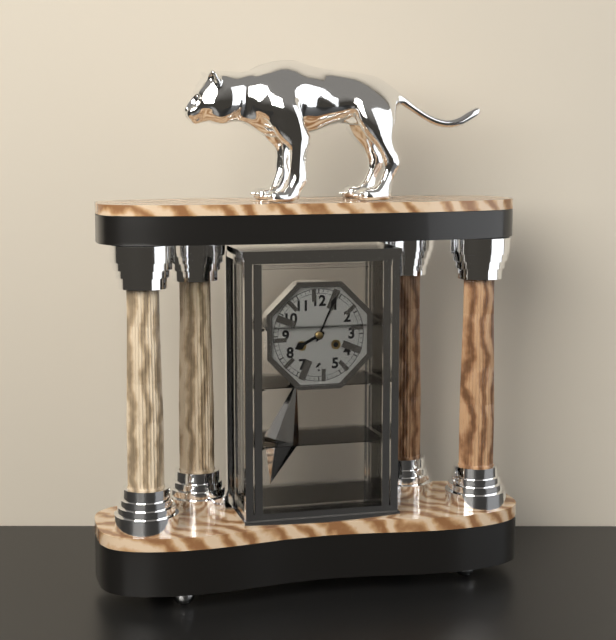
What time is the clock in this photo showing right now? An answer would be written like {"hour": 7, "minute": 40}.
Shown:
{"hour": 8, "minute": 4}
